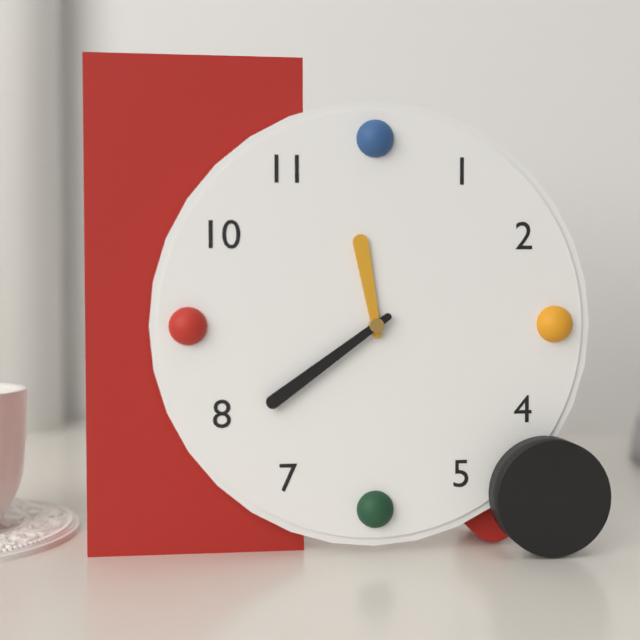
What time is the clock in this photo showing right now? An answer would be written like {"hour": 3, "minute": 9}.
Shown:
{"hour": 11, "minute": 39}
